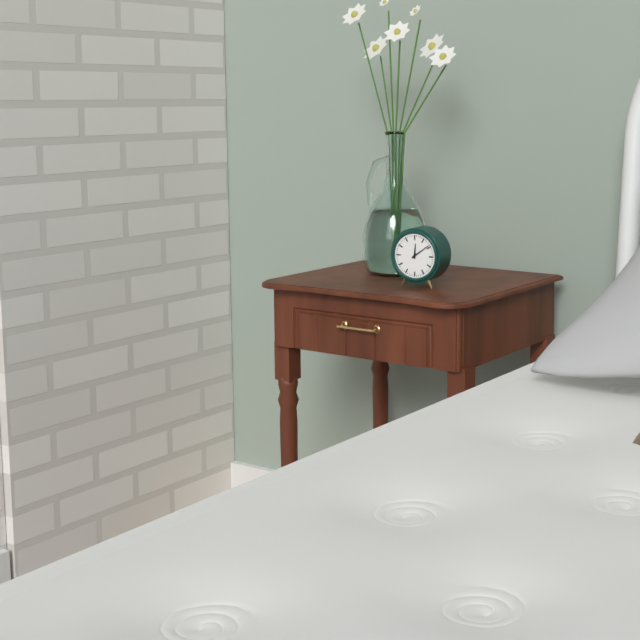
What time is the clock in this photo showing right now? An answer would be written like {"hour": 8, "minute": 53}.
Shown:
{"hour": 12, "minute": 9}
